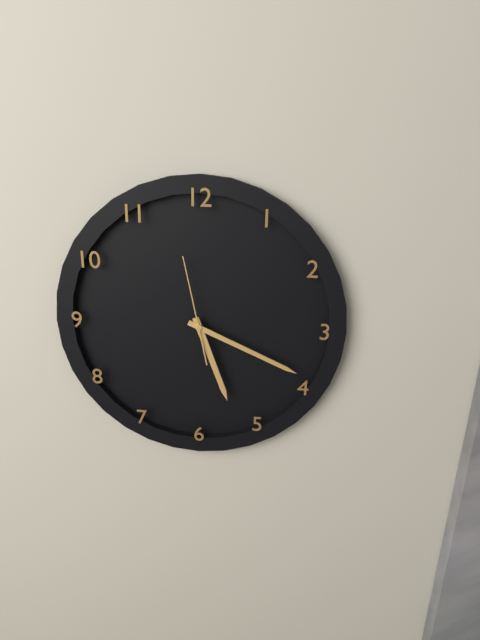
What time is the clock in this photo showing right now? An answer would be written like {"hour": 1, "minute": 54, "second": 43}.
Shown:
{"hour": 5, "minute": 19, "second": 58}
